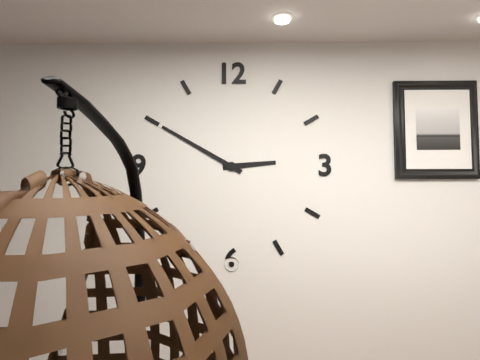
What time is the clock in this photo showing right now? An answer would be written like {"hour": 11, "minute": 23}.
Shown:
{"hour": 2, "minute": 50}
